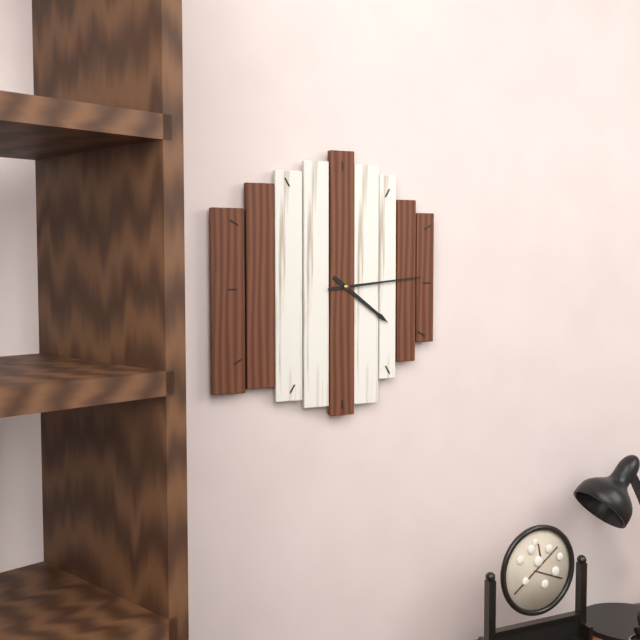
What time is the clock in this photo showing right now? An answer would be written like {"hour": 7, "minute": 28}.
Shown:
{"hour": 4, "minute": 14}
